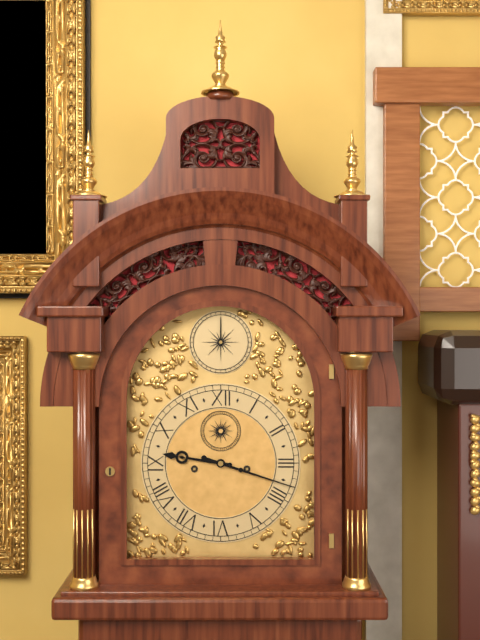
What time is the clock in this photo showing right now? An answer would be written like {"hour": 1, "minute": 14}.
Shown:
{"hour": 9, "minute": 18}
